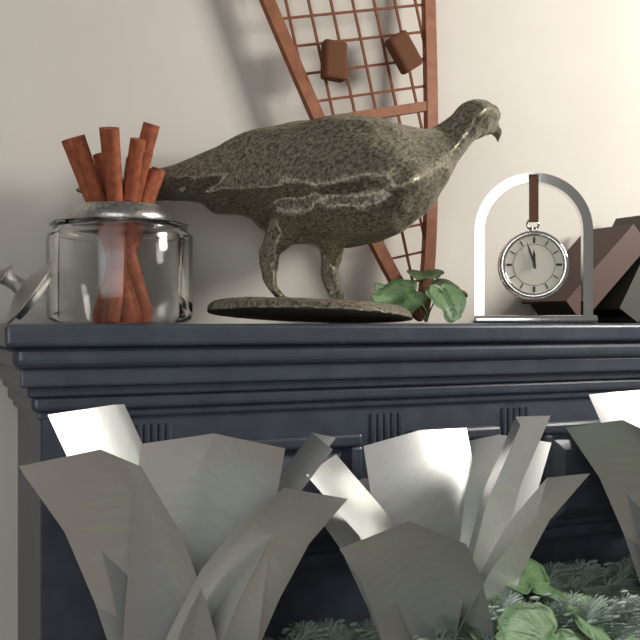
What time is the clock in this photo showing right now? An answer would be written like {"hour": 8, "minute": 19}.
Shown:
{"hour": 11, "minute": 57}
